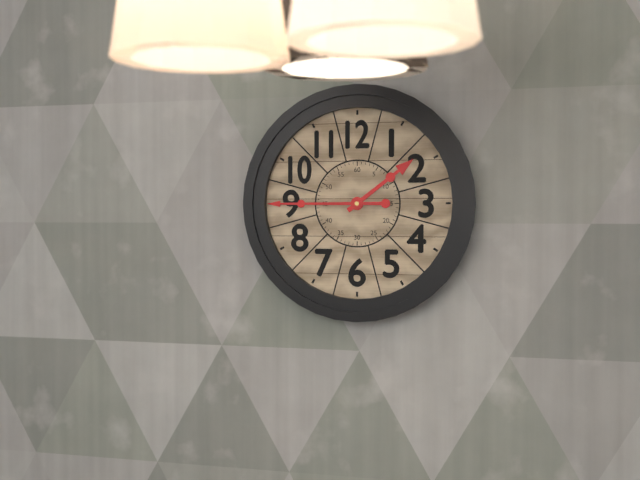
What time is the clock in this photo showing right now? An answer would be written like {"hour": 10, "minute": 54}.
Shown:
{"hour": 1, "minute": 45}
